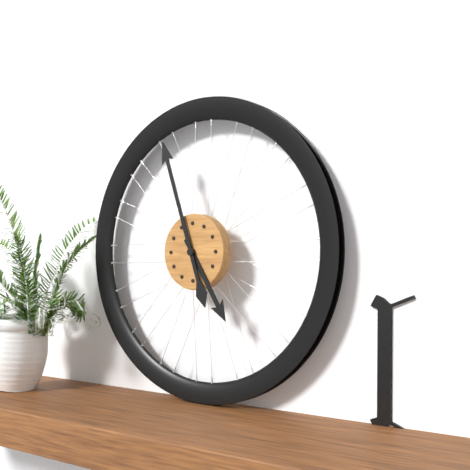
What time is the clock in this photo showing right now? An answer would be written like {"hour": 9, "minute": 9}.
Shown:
{"hour": 4, "minute": 57}
